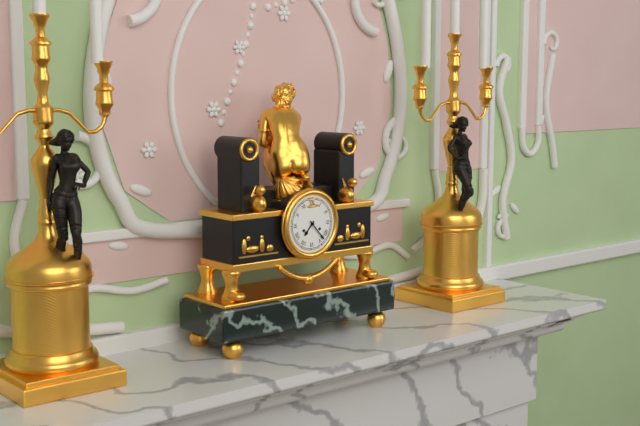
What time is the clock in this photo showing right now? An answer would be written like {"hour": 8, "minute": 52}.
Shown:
{"hour": 7, "minute": 23}
